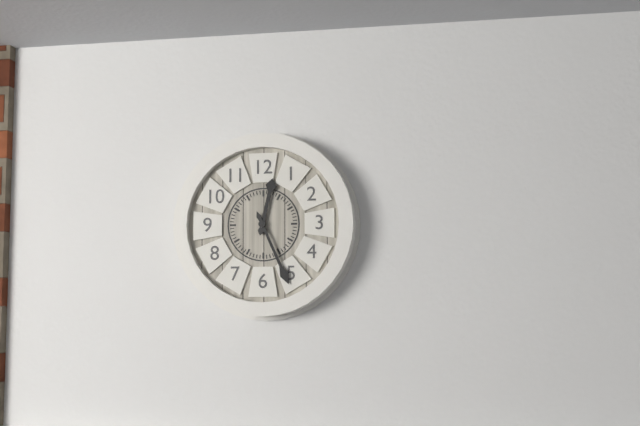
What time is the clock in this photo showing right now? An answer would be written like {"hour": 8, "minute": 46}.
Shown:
{"hour": 12, "minute": 26}
